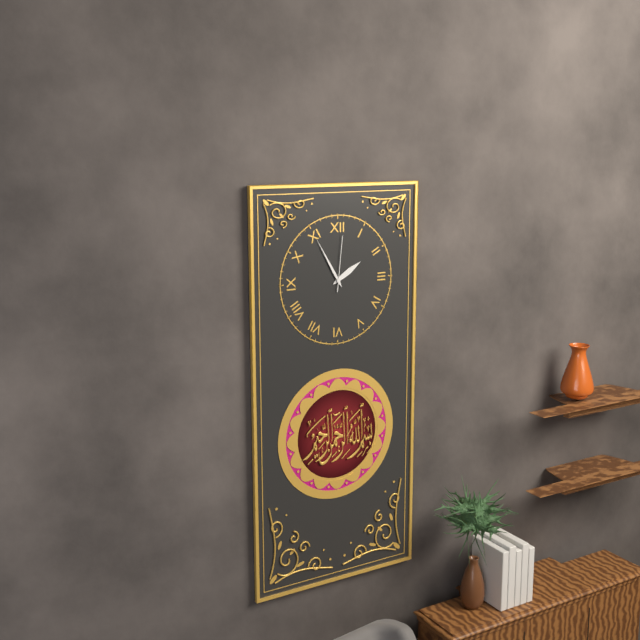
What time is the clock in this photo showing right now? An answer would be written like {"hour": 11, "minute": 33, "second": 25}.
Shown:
{"hour": 1, "minute": 55, "second": 1}
